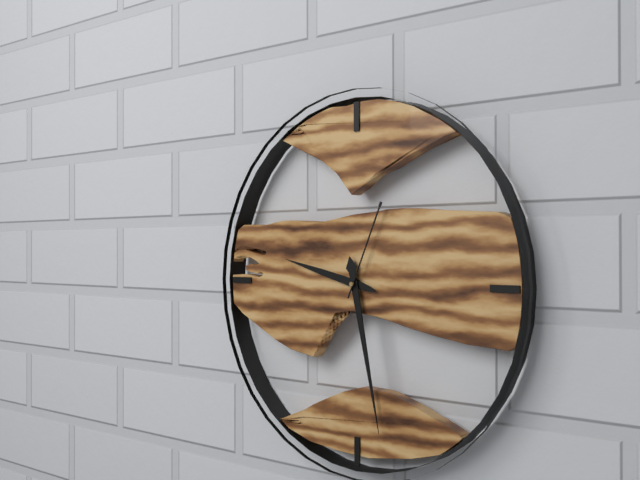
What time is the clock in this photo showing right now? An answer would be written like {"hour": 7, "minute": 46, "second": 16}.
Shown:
{"hour": 9, "minute": 28, "second": 4}
